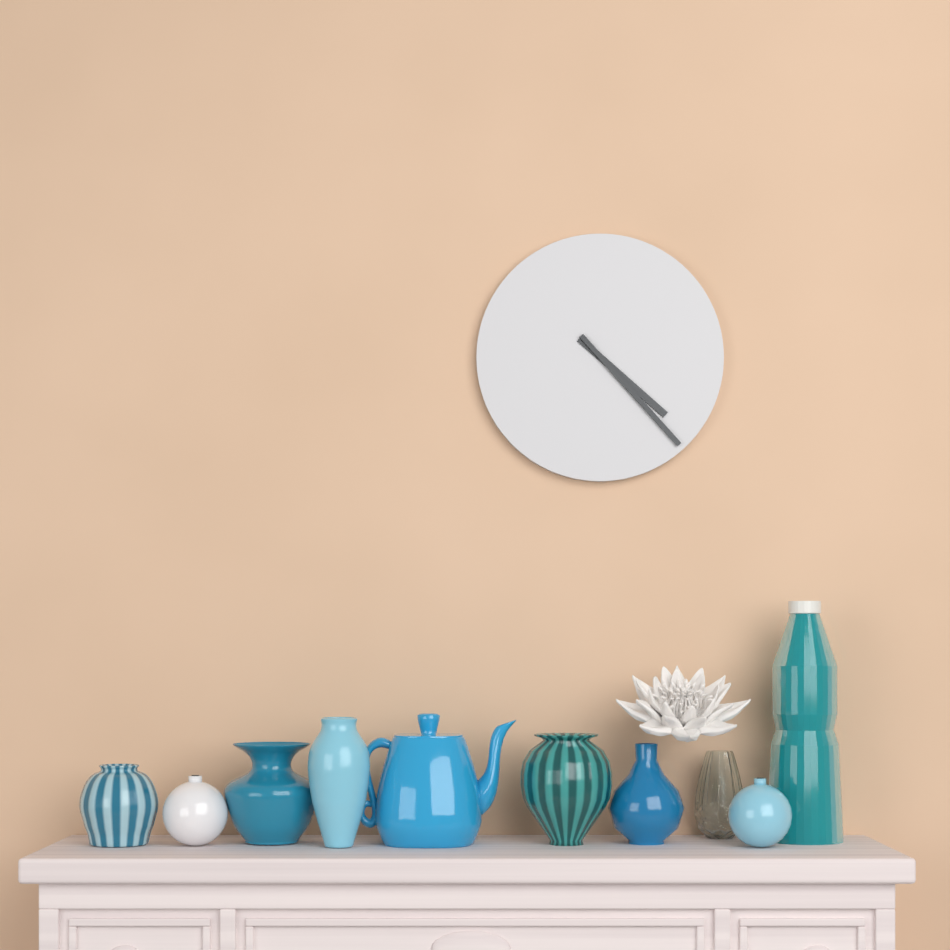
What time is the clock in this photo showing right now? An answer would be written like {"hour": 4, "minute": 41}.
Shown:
{"hour": 4, "minute": 23}
